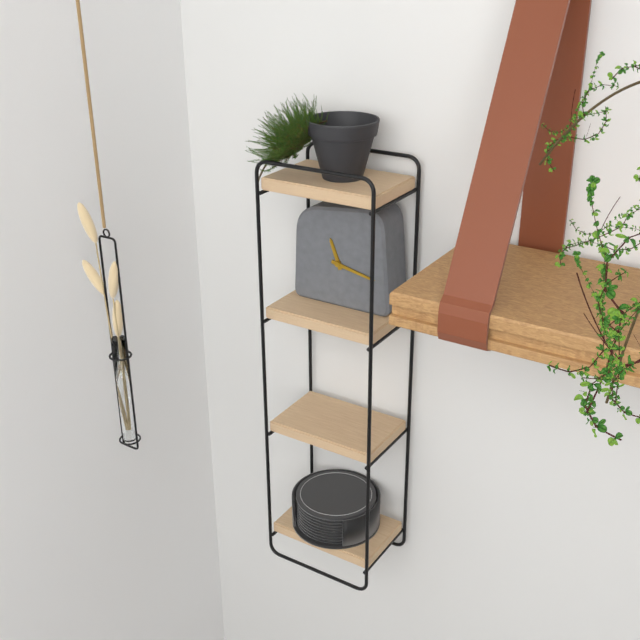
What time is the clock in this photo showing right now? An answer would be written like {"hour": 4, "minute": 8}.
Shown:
{"hour": 11, "minute": 17}
